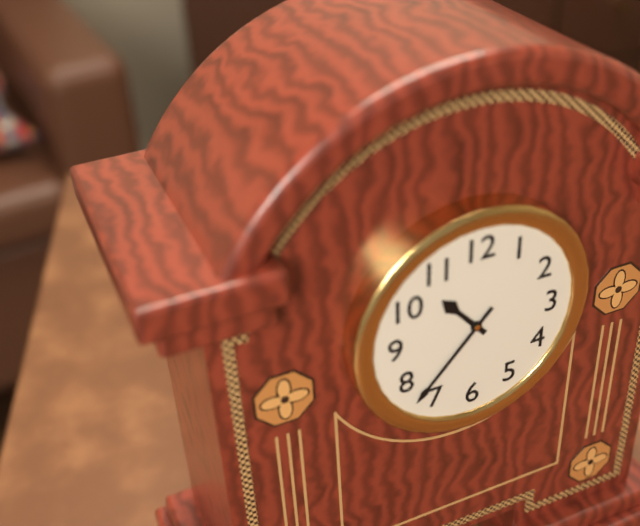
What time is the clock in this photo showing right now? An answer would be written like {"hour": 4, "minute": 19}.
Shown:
{"hour": 10, "minute": 37}
